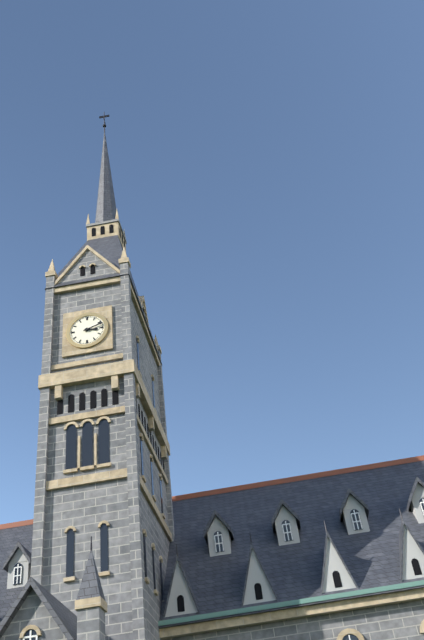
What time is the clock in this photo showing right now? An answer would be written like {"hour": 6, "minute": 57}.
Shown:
{"hour": 3, "minute": 12}
